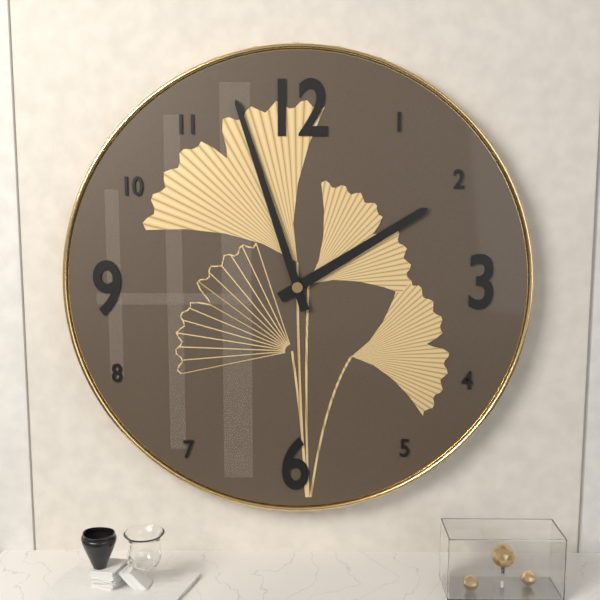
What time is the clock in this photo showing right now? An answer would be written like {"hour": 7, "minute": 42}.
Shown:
{"hour": 1, "minute": 57}
